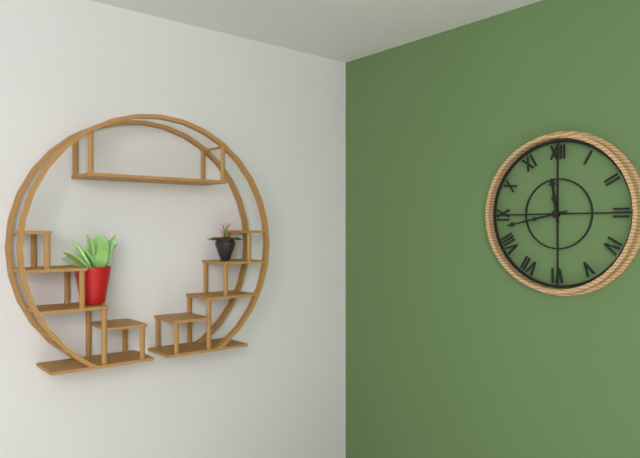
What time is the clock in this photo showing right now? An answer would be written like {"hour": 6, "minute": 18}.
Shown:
{"hour": 11, "minute": 43}
